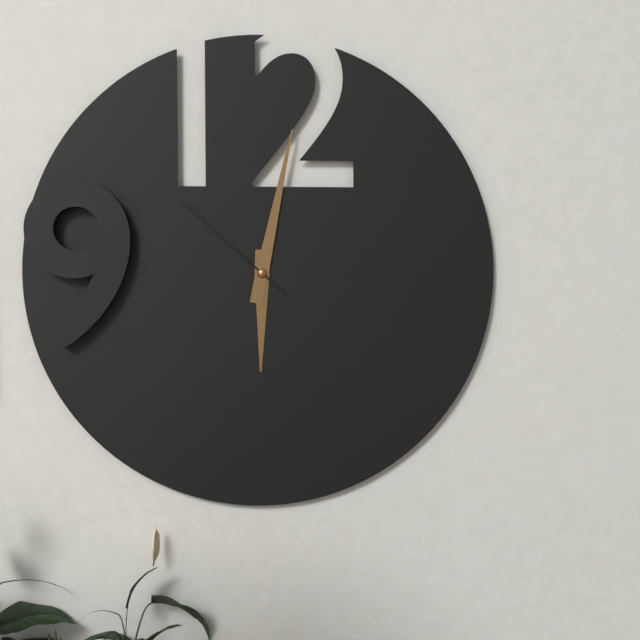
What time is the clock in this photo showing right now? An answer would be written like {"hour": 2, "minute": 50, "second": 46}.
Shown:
{"hour": 6, "minute": 2, "second": 52}
